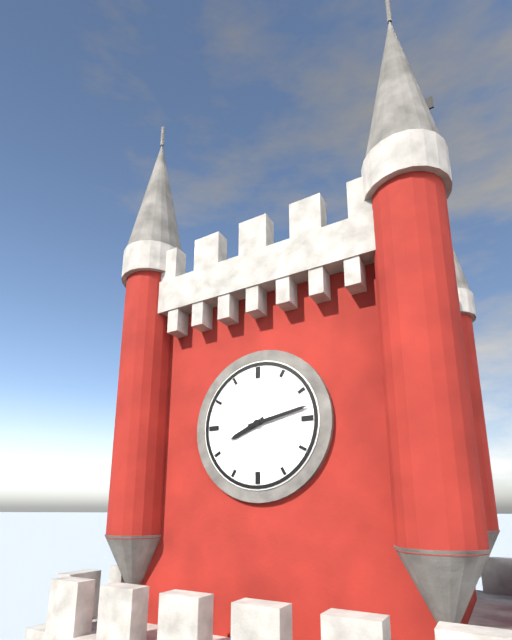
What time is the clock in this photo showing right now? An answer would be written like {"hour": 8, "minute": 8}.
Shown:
{"hour": 8, "minute": 13}
